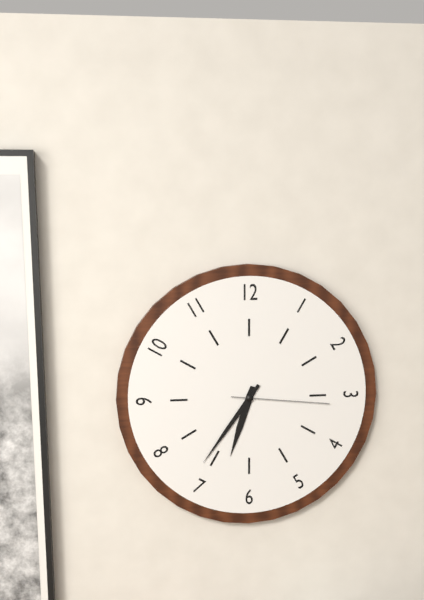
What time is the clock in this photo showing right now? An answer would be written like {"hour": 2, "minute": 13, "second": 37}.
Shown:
{"hour": 6, "minute": 36, "second": 16}
